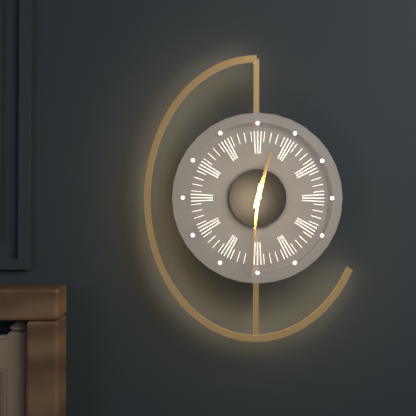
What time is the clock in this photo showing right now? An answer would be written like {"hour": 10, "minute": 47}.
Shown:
{"hour": 12, "minute": 31}
